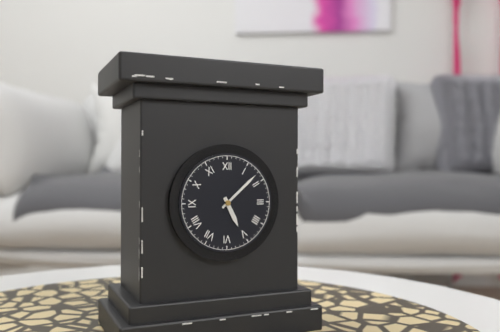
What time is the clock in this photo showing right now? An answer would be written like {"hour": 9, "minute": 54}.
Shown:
{"hour": 5, "minute": 8}
